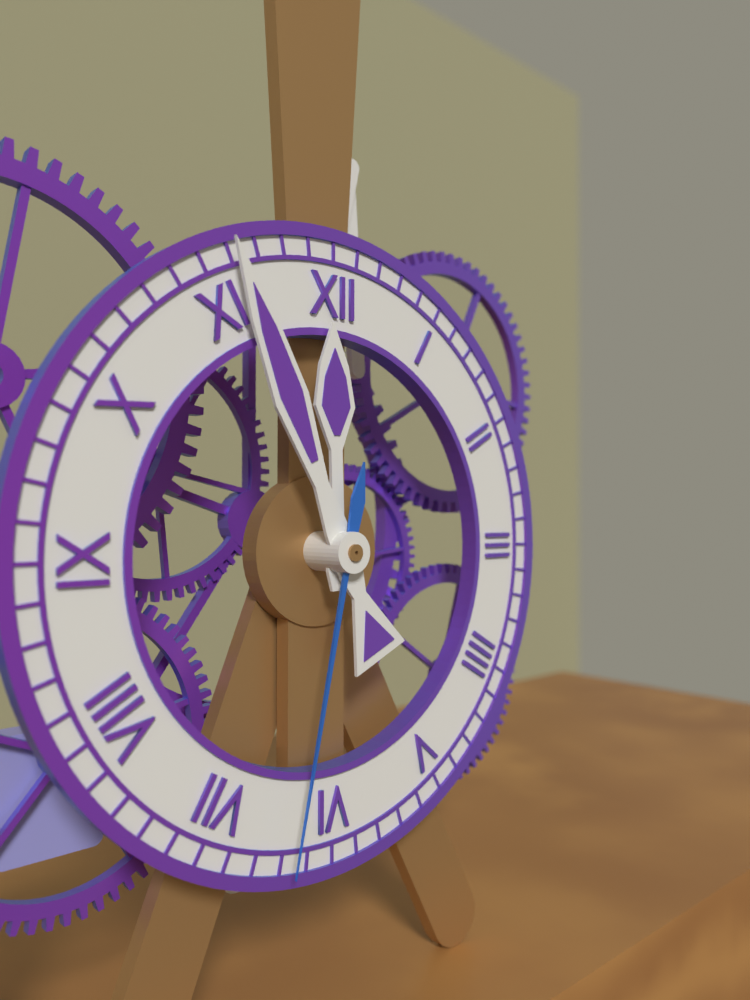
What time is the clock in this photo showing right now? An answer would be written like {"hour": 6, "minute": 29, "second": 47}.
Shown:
{"hour": 11, "minute": 56, "second": 32}
